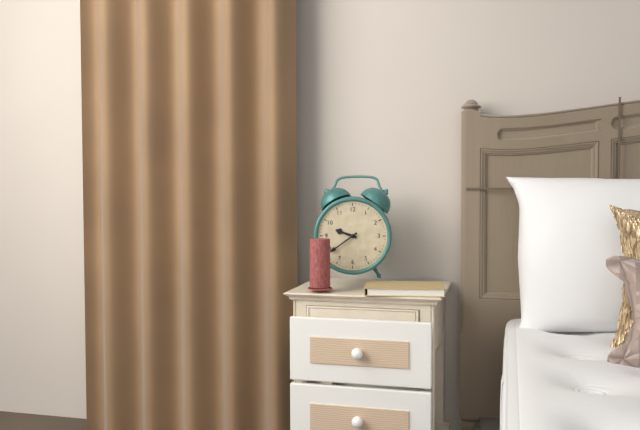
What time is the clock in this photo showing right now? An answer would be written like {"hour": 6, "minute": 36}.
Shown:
{"hour": 9, "minute": 39}
